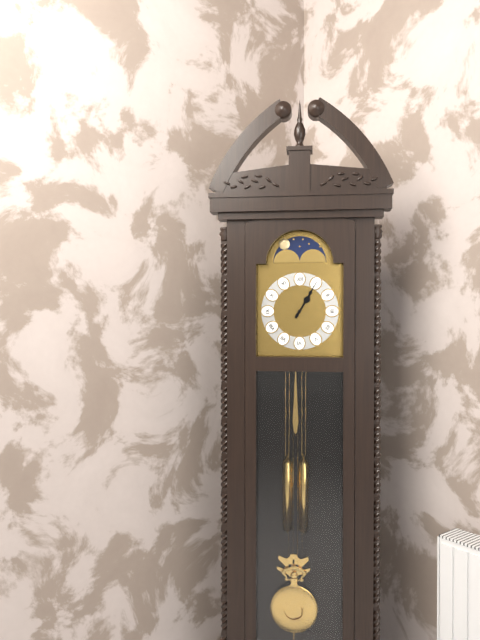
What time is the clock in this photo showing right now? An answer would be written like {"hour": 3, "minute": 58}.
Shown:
{"hour": 1, "minute": 5}
